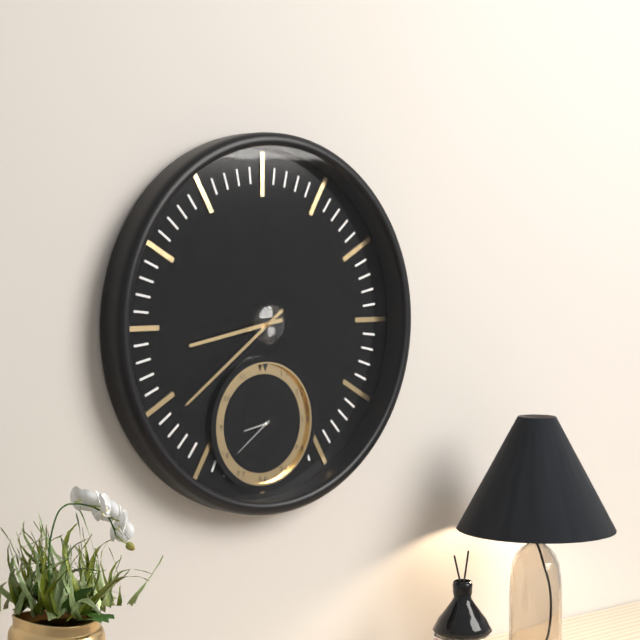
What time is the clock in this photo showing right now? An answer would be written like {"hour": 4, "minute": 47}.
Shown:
{"hour": 8, "minute": 39}
